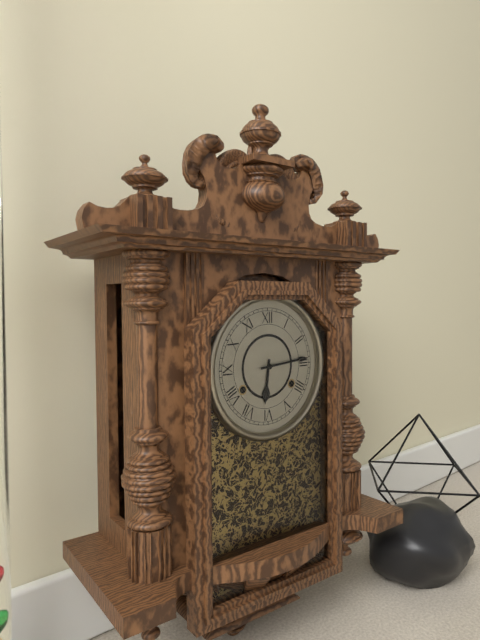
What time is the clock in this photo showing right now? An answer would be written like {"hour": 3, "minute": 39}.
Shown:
{"hour": 6, "minute": 14}
